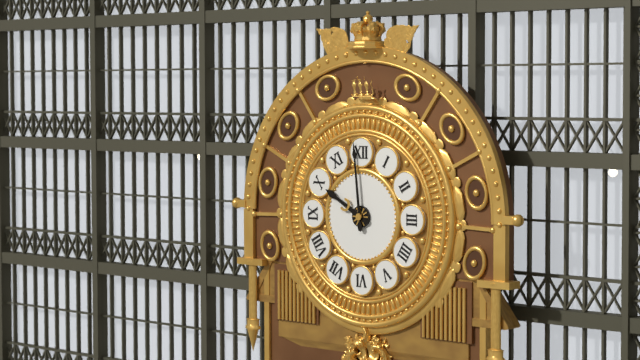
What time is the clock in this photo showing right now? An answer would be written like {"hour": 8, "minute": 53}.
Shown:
{"hour": 9, "minute": 59}
